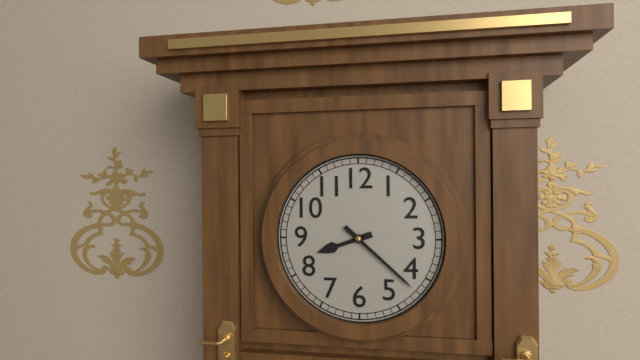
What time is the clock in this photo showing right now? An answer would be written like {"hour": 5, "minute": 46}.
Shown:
{"hour": 8, "minute": 22}
